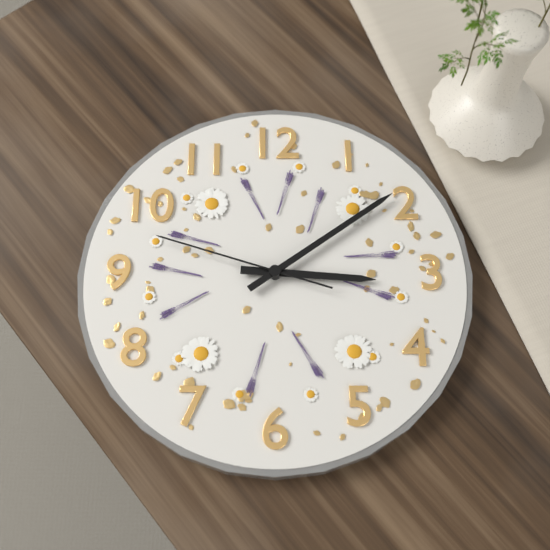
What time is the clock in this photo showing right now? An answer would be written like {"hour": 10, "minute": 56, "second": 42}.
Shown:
{"hour": 3, "minute": 9, "second": 48}
